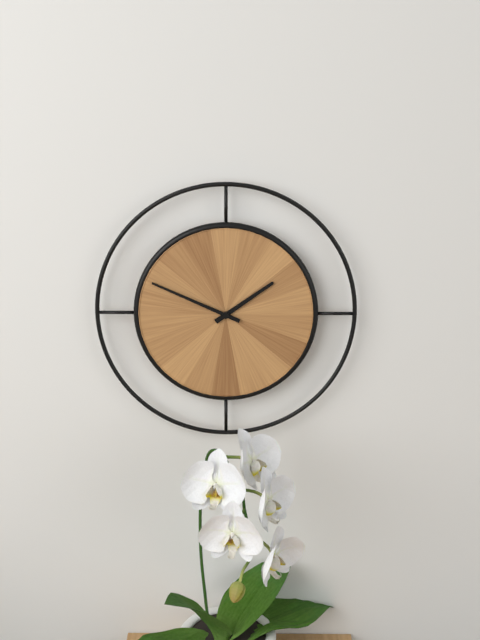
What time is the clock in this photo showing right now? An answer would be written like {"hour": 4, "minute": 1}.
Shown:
{"hour": 1, "minute": 49}
